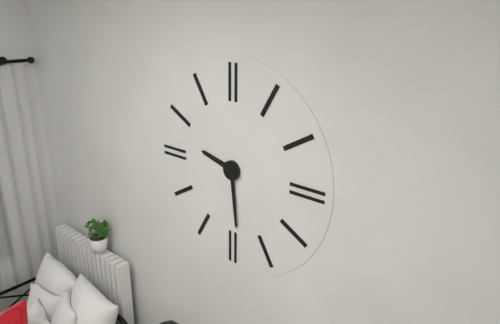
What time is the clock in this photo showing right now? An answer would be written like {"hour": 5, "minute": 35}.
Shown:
{"hour": 9, "minute": 29}
